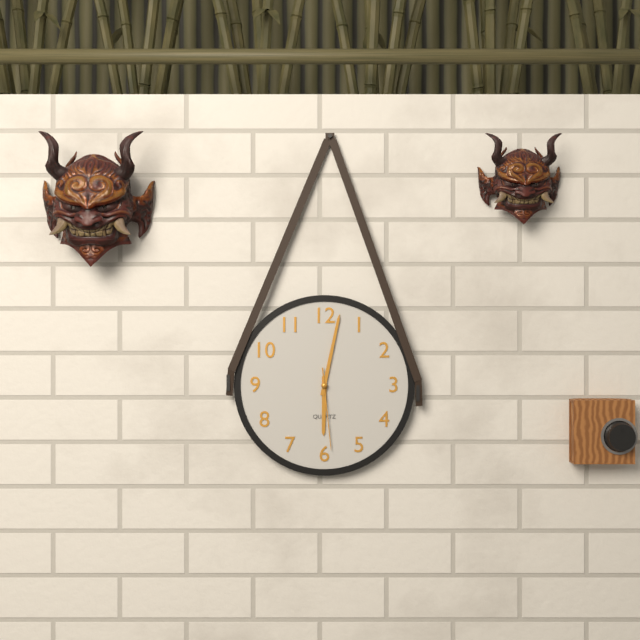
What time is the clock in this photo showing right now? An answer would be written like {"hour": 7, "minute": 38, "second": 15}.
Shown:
{"hour": 6, "minute": 2, "second": 29}
